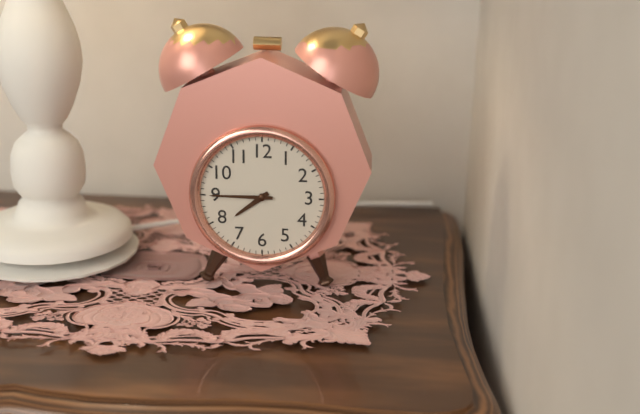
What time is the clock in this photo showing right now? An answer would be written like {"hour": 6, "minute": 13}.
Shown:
{"hour": 7, "minute": 45}
